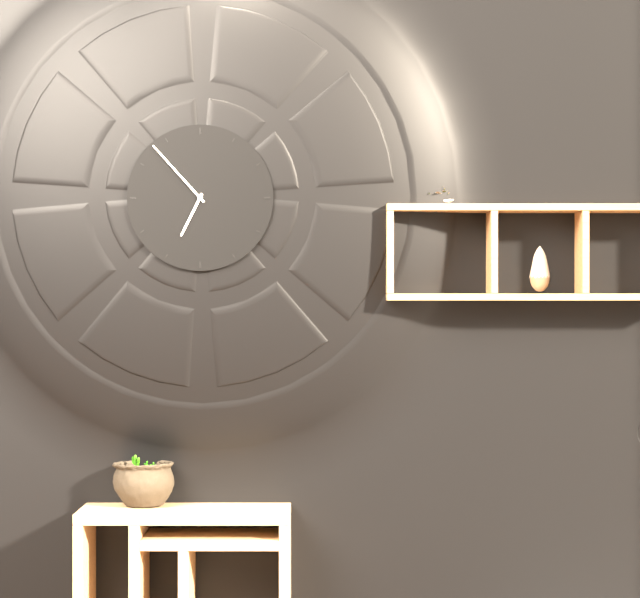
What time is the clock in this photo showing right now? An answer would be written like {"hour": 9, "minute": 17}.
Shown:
{"hour": 6, "minute": 53}
